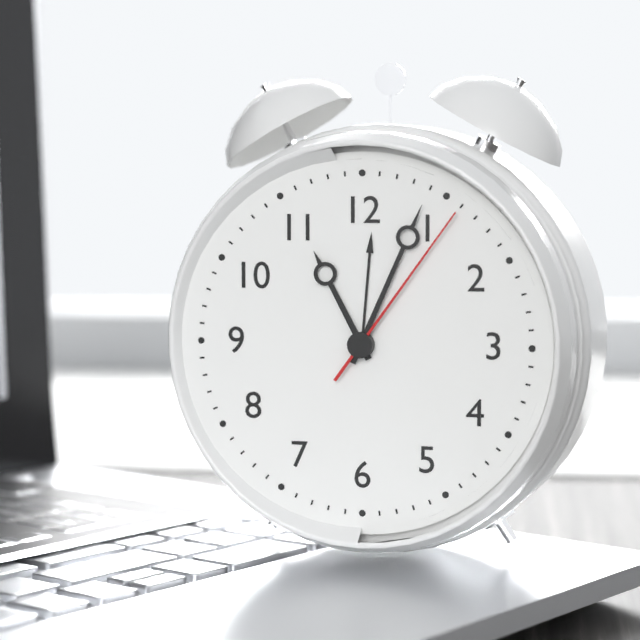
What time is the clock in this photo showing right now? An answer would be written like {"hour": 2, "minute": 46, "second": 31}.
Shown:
{"hour": 11, "minute": 4, "second": 6}
